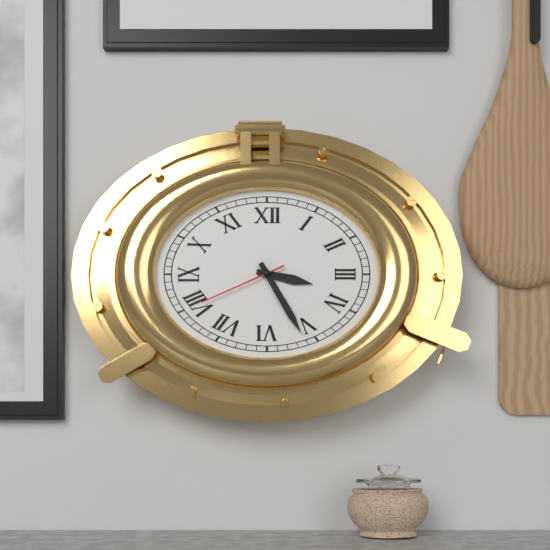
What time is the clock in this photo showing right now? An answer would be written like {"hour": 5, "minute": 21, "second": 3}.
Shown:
{"hour": 3, "minute": 25, "second": 41}
